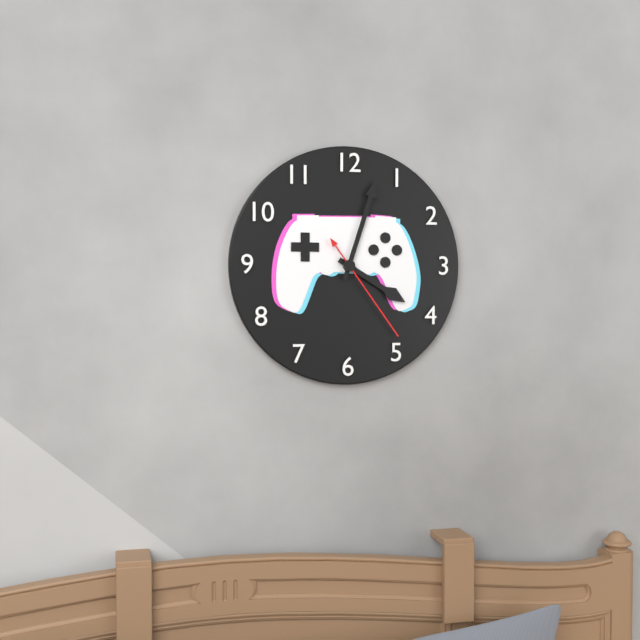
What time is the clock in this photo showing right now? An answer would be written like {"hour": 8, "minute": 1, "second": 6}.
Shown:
{"hour": 4, "minute": 3, "second": 24}
